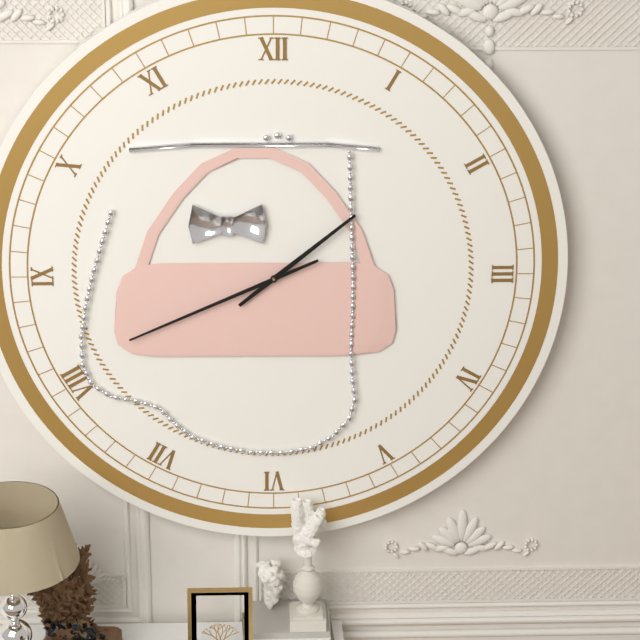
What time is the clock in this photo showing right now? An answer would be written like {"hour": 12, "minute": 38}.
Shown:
{"hour": 1, "minute": 41}
